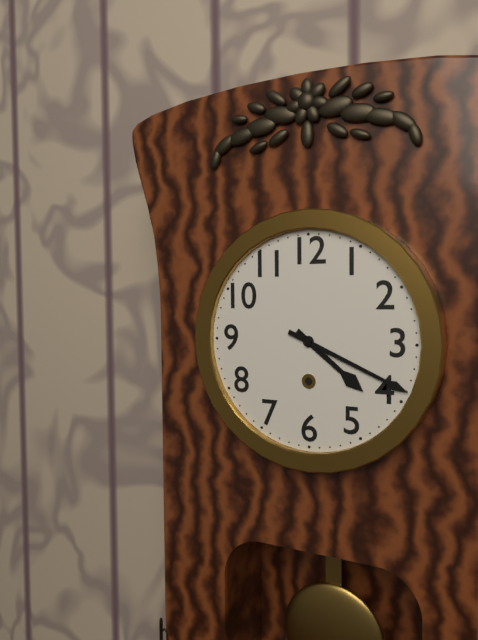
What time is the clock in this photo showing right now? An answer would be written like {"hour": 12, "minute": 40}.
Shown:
{"hour": 4, "minute": 19}
